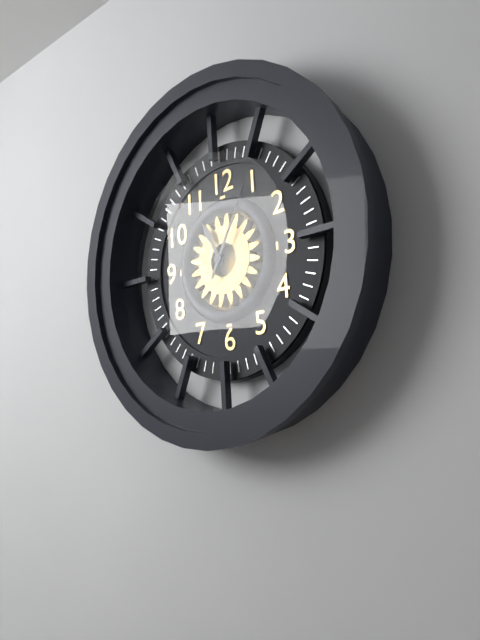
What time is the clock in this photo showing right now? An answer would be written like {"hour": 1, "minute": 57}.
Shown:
{"hour": 11, "minute": 5}
